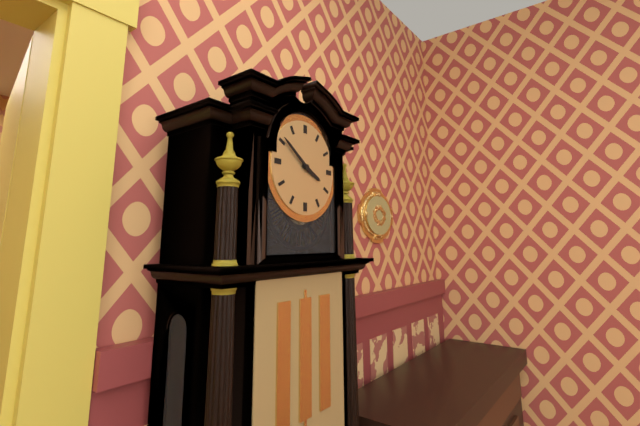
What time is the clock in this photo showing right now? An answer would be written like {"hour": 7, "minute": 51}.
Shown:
{"hour": 3, "minute": 51}
